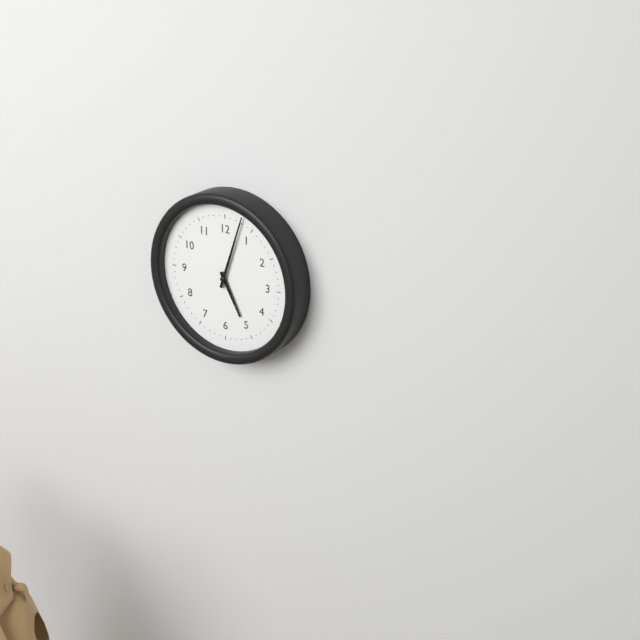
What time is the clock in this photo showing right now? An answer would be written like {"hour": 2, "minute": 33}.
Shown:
{"hour": 5, "minute": 3}
